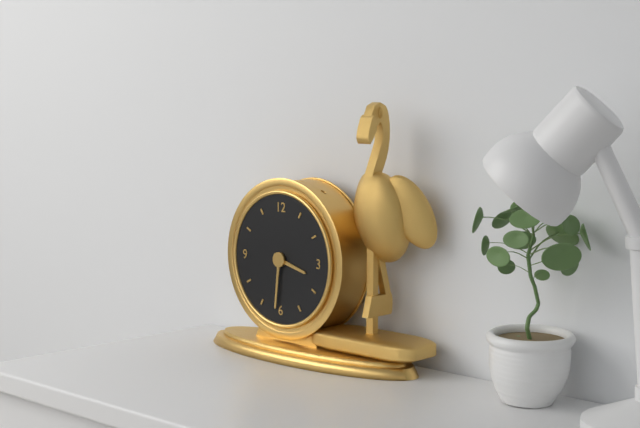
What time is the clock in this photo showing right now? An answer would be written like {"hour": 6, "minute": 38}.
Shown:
{"hour": 3, "minute": 31}
